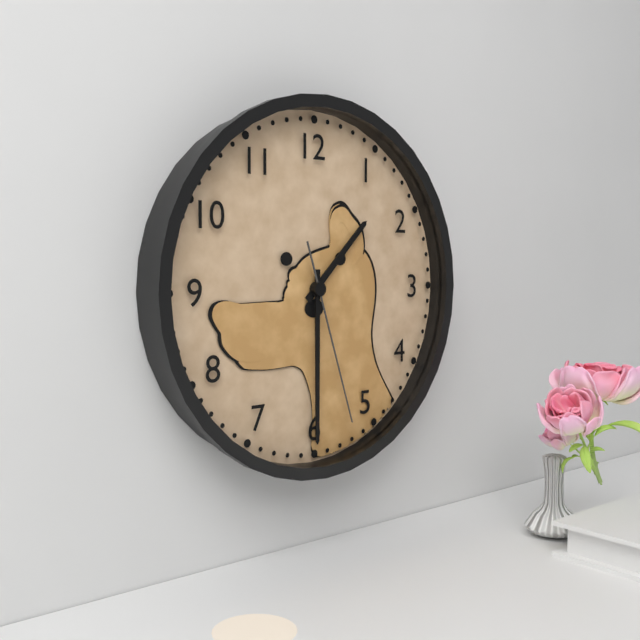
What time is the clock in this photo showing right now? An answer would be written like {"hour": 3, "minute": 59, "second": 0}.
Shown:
{"hour": 1, "minute": 30, "second": 27}
